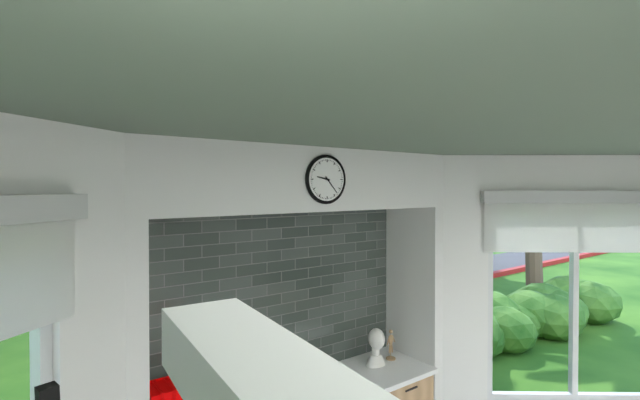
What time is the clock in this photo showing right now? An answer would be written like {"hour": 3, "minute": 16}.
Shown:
{"hour": 9, "minute": 23}
